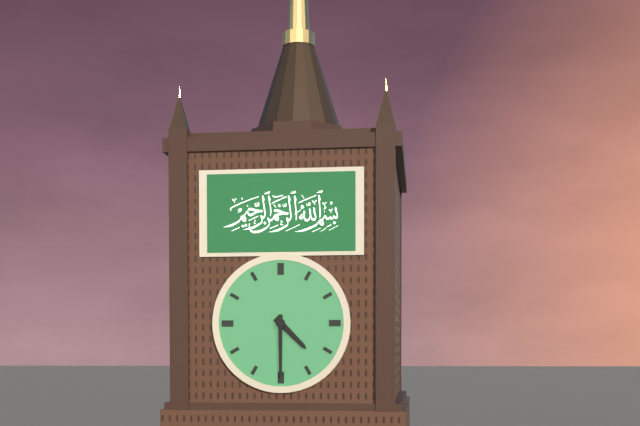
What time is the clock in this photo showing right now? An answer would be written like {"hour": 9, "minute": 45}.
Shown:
{"hour": 4, "minute": 30}
